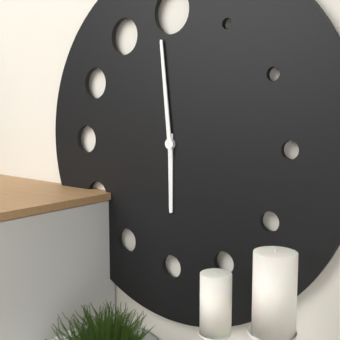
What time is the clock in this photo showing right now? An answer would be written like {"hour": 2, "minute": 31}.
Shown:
{"hour": 5, "minute": 59}
